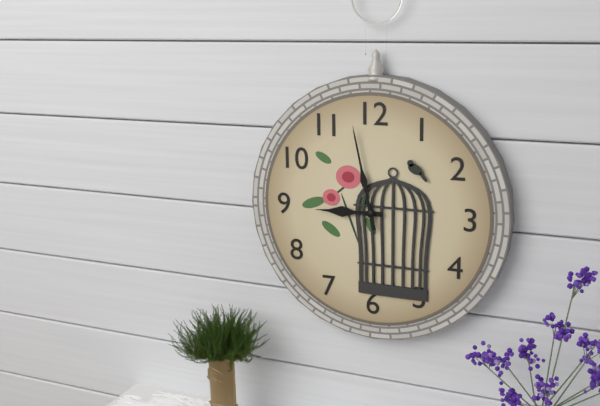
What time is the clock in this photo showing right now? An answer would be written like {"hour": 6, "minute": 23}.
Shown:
{"hour": 8, "minute": 58}
